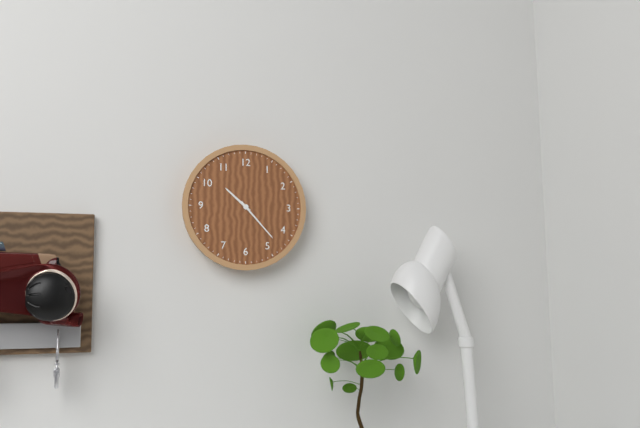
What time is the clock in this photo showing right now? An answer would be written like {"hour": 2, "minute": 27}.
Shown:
{"hour": 10, "minute": 23}
